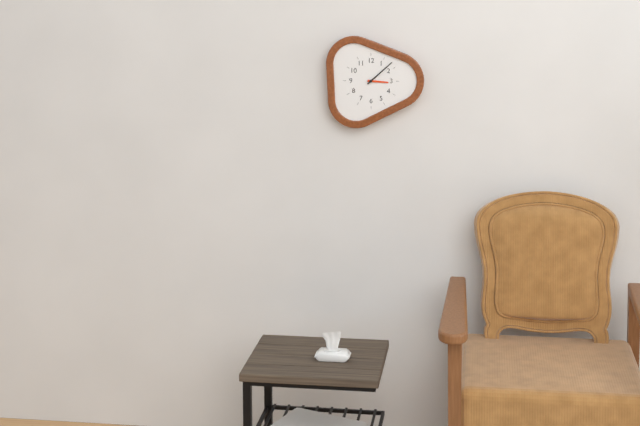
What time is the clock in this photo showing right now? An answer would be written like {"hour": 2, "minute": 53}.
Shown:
{"hour": 3, "minute": 8}
